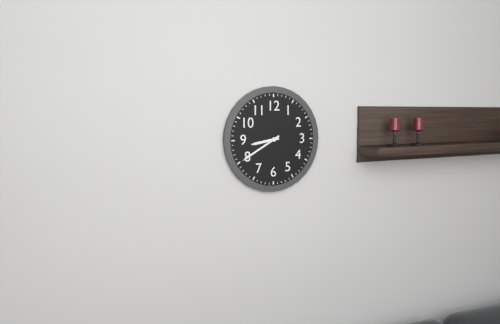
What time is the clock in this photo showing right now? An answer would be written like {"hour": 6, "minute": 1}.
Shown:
{"hour": 8, "minute": 40}
